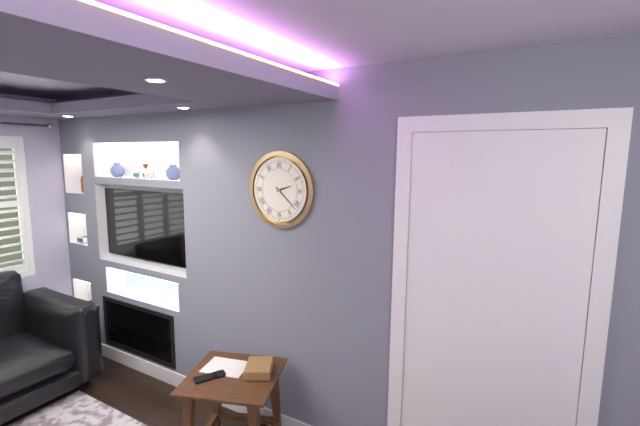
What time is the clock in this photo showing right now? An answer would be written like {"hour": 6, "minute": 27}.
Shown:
{"hour": 2, "minute": 22}
